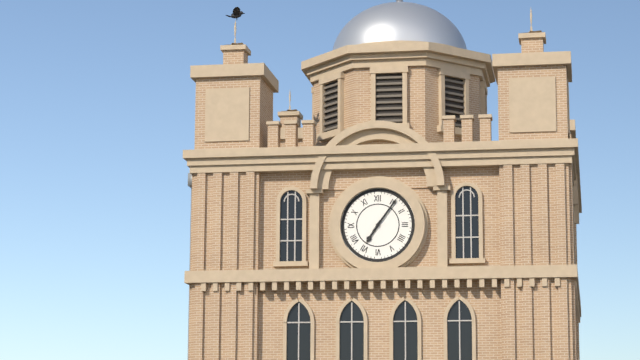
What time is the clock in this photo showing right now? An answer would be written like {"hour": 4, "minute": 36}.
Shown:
{"hour": 7, "minute": 6}
